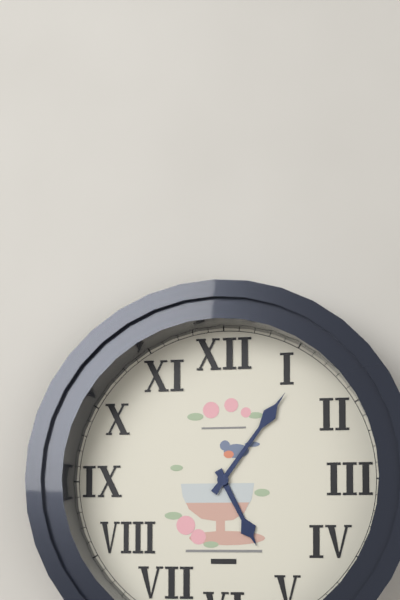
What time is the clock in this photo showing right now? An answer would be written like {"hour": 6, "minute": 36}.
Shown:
{"hour": 5, "minute": 6}
